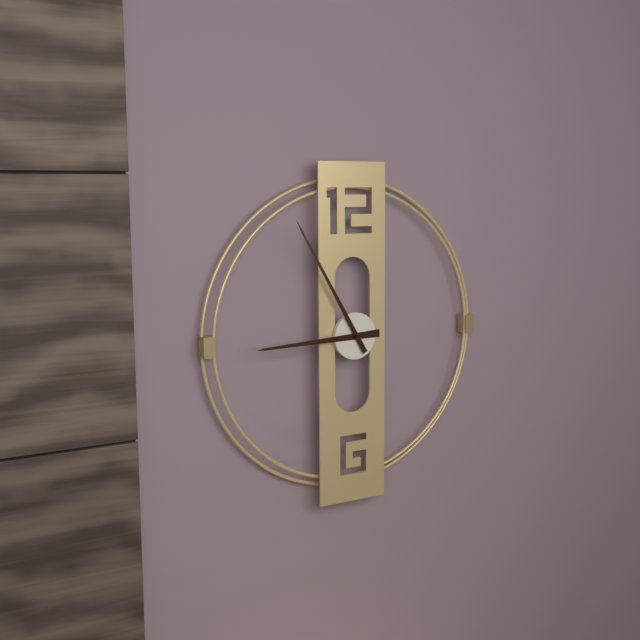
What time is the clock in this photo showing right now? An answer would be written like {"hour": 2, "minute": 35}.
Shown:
{"hour": 8, "minute": 55}
